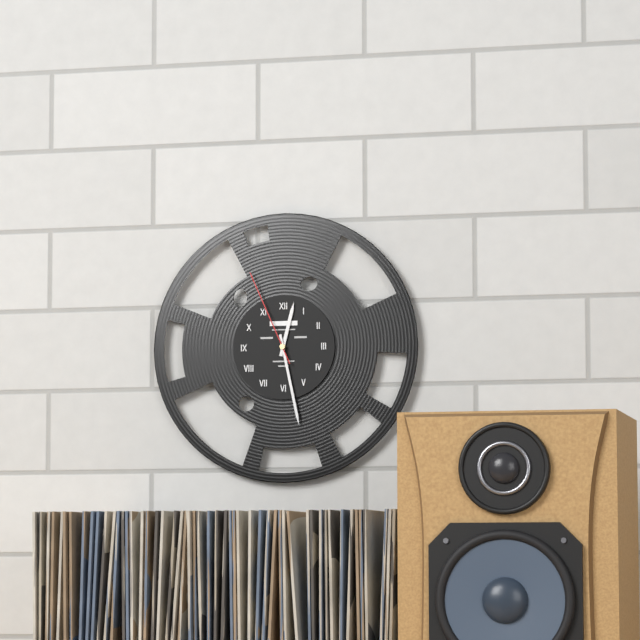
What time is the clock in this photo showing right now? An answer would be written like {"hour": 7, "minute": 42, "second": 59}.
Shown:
{"hour": 12, "minute": 28, "second": 56}
